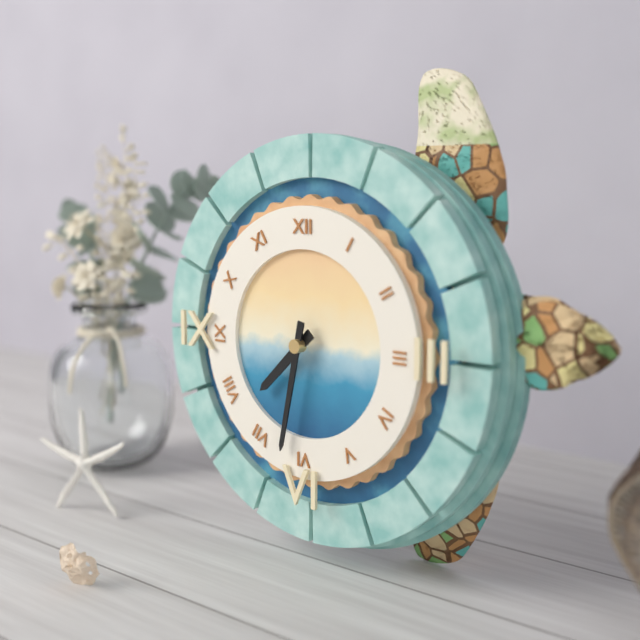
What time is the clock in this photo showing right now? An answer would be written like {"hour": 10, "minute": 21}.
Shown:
{"hour": 7, "minute": 32}
